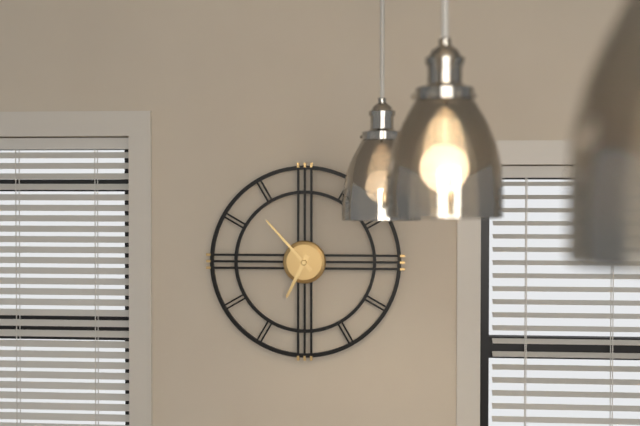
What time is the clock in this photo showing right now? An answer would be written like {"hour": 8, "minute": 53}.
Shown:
{"hour": 6, "minute": 53}
